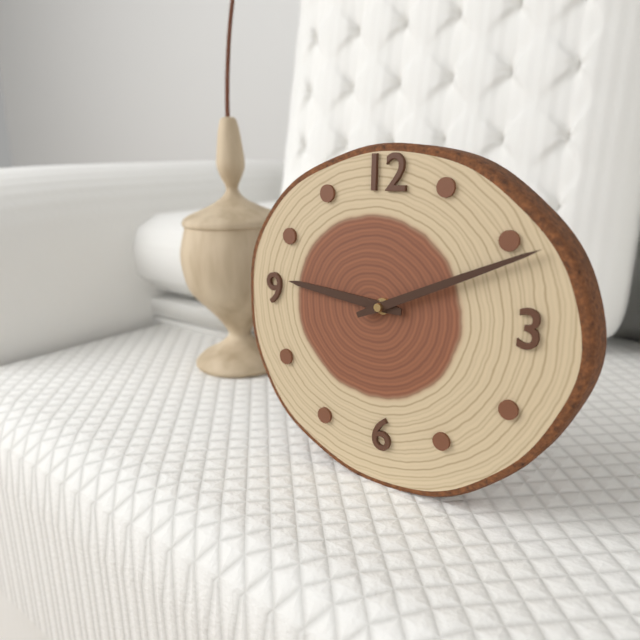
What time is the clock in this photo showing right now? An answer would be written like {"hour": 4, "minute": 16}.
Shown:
{"hour": 9, "minute": 11}
